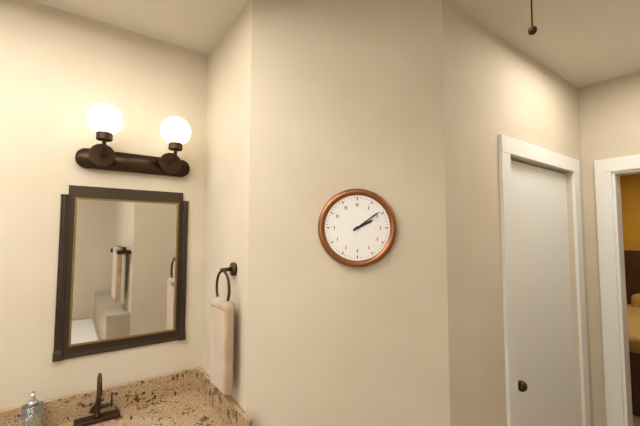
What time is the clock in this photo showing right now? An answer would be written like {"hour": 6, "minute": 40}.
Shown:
{"hour": 2, "minute": 9}
